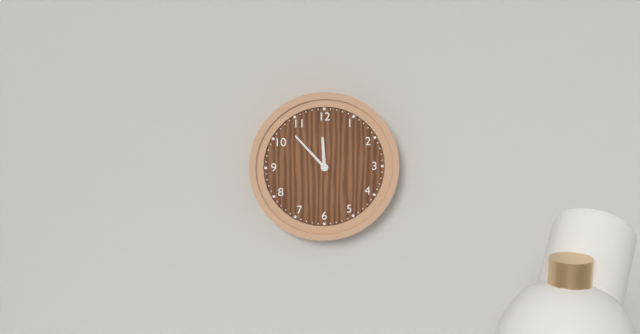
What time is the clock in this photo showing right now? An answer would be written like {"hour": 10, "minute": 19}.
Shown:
{"hour": 11, "minute": 53}
